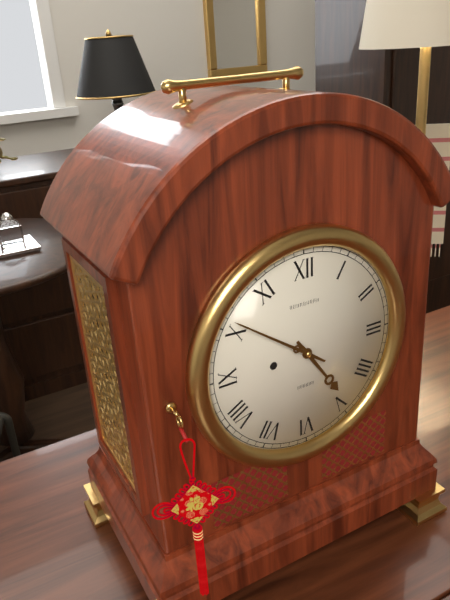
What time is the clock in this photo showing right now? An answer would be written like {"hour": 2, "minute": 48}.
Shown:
{"hour": 4, "minute": 51}
